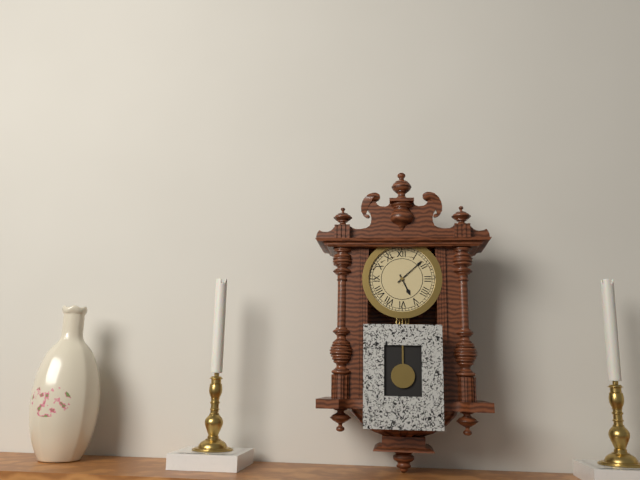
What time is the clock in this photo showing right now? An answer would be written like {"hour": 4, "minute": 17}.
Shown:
{"hour": 5, "minute": 8}
